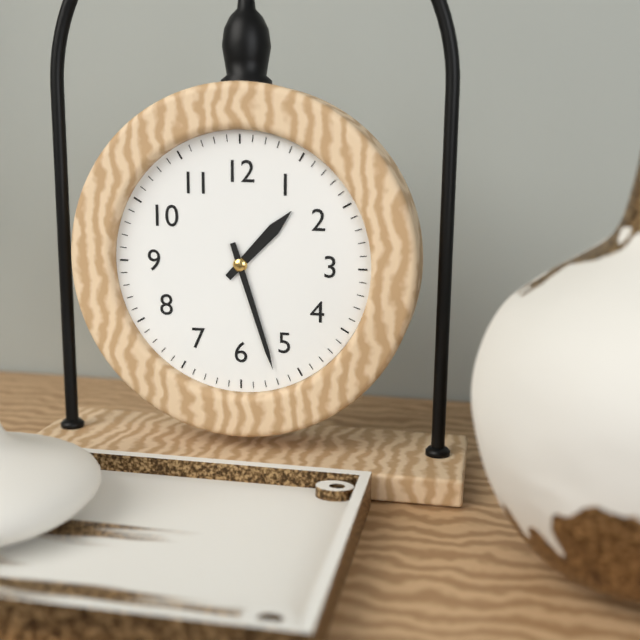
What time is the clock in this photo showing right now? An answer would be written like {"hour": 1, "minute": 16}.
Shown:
{"hour": 1, "minute": 27}
